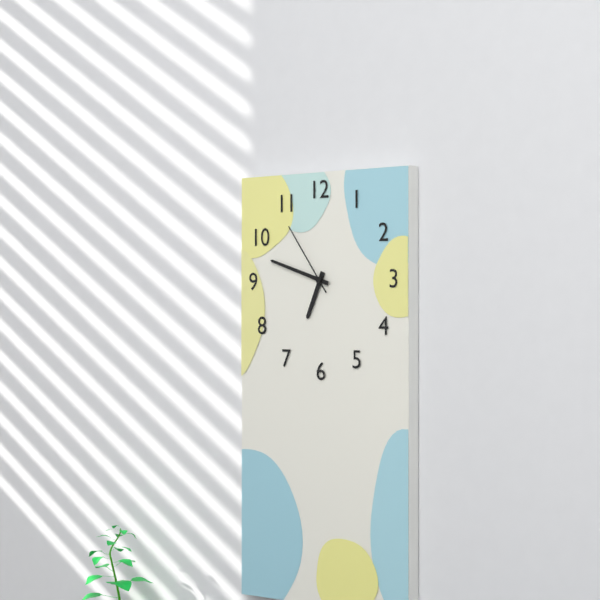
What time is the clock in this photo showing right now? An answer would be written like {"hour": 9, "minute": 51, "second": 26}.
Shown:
{"hour": 6, "minute": 48, "second": 54}
